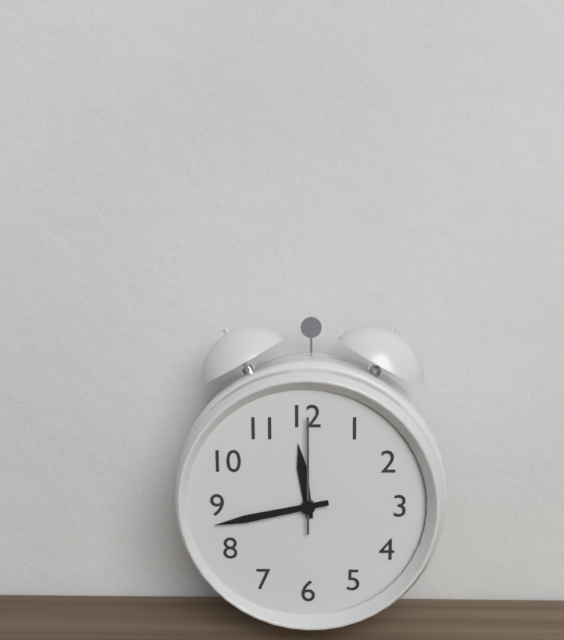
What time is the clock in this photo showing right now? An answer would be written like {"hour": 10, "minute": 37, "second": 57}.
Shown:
{"hour": 11, "minute": 43, "second": 0}
